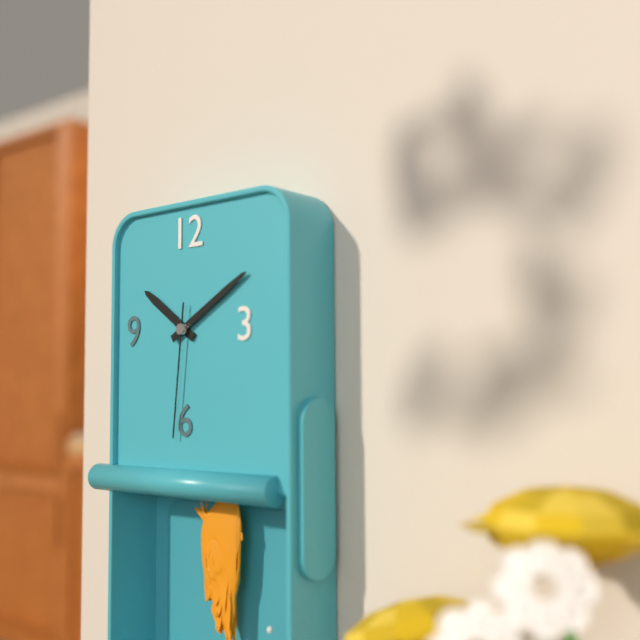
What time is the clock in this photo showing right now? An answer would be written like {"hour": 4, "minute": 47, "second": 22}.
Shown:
{"hour": 10, "minute": 10, "second": 31}
